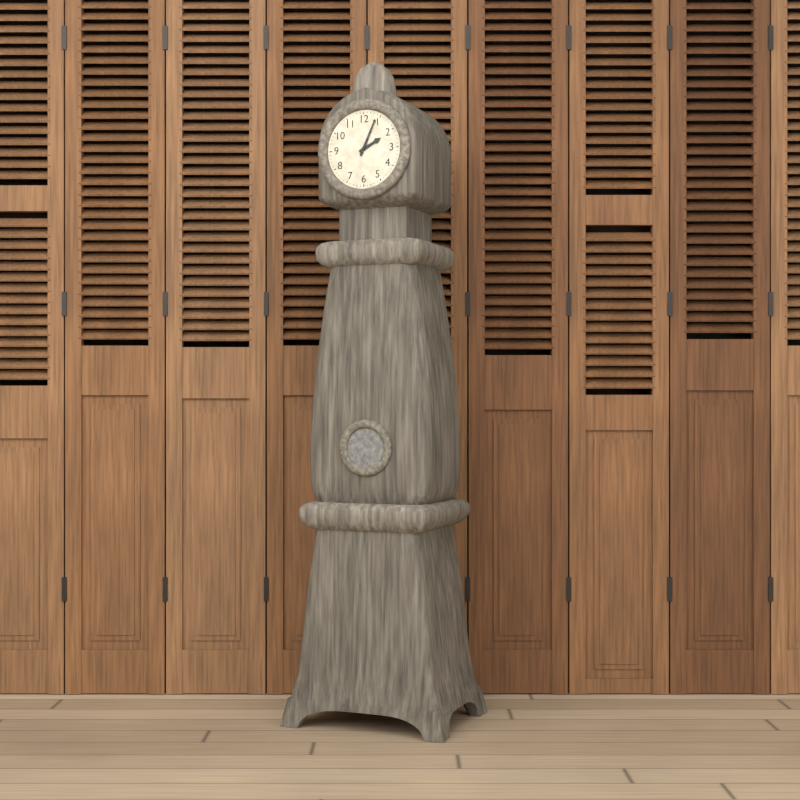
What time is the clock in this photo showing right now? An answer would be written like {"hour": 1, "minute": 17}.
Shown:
{"hour": 2, "minute": 4}
